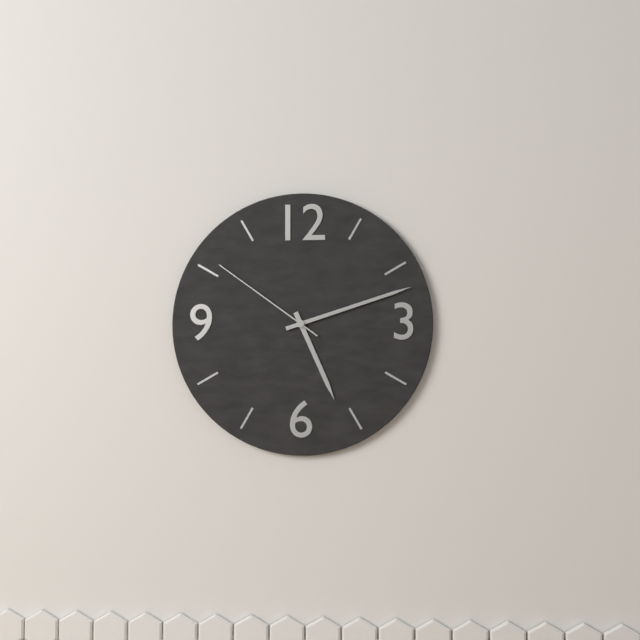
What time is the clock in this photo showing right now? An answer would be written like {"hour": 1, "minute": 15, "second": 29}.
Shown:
{"hour": 5, "minute": 12, "second": 51}
